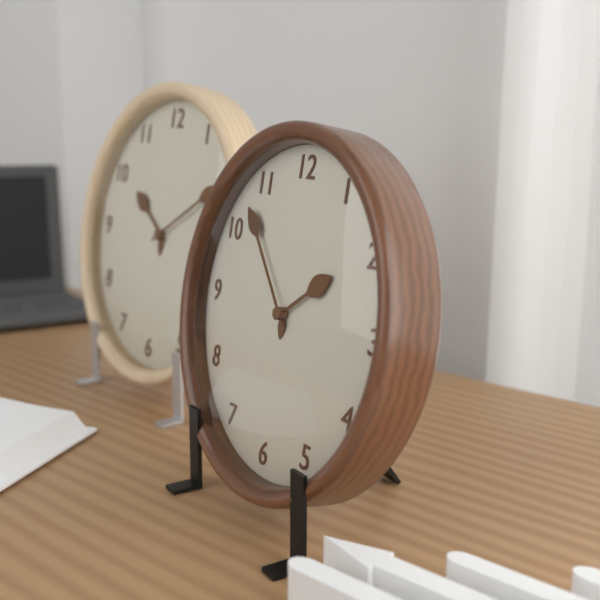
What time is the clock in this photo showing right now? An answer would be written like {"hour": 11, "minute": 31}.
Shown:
{"hour": 1, "minute": 53}
